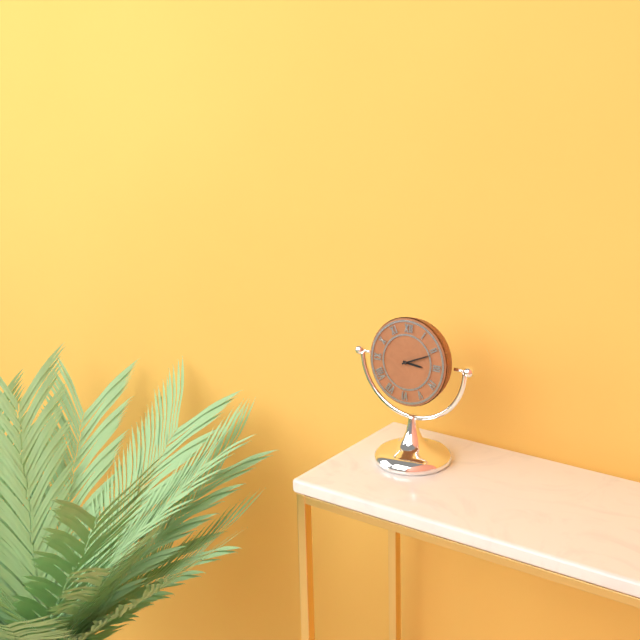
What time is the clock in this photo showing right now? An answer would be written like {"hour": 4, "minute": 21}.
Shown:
{"hour": 3, "minute": 11}
